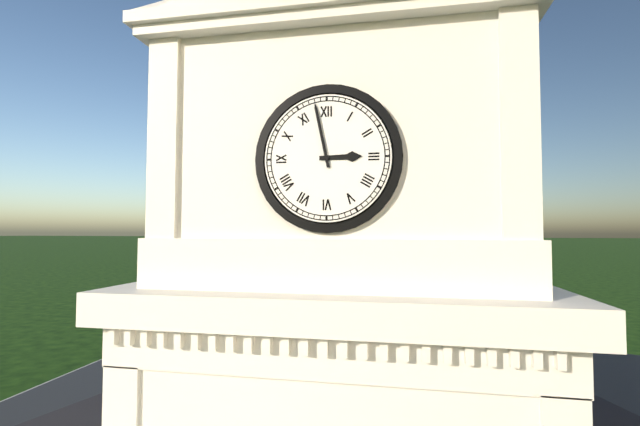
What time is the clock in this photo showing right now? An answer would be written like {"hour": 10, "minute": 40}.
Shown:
{"hour": 2, "minute": 58}
